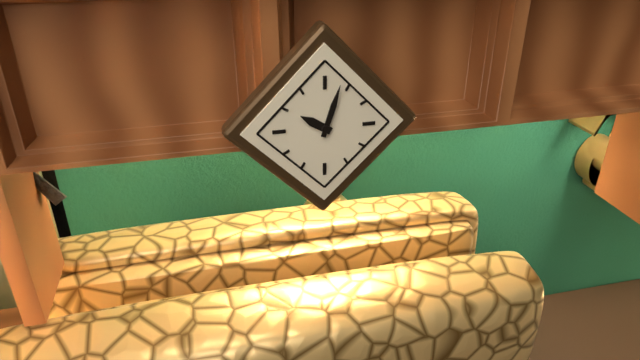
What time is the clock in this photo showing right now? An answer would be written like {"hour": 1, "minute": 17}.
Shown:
{"hour": 10, "minute": 3}
